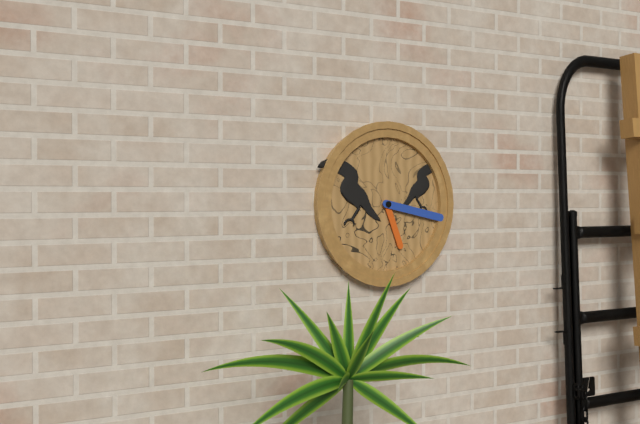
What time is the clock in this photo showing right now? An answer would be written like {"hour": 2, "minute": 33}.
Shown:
{"hour": 5, "minute": 17}
